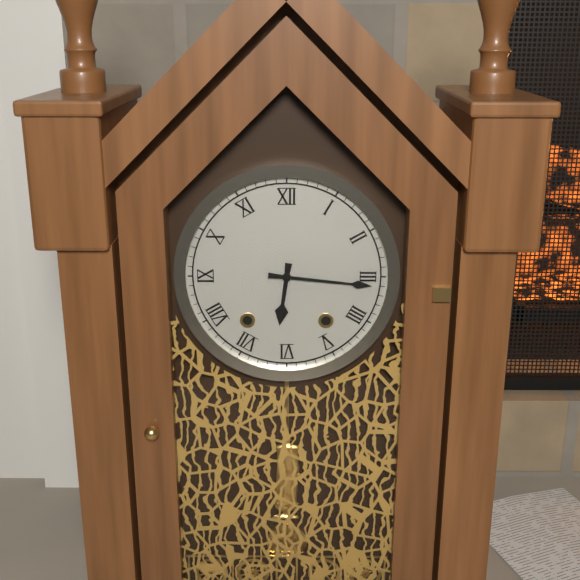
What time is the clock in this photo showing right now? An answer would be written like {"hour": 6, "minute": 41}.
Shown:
{"hour": 6, "minute": 16}
